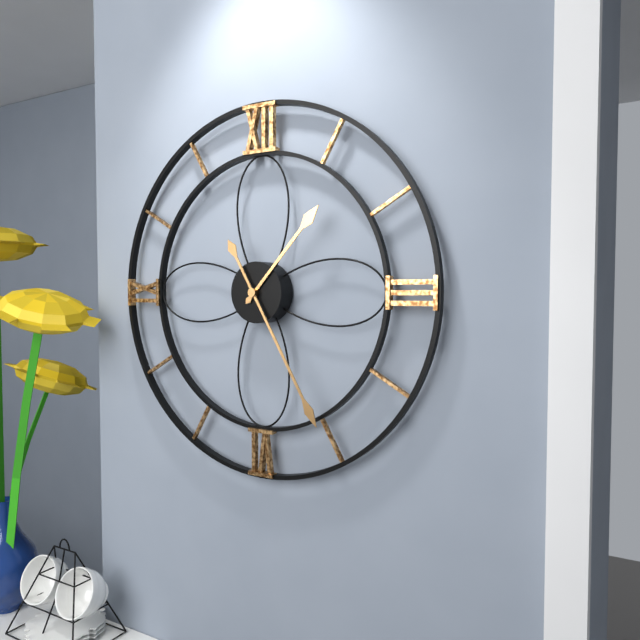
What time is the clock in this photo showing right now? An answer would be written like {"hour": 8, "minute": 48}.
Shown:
{"hour": 1, "minute": 25}
